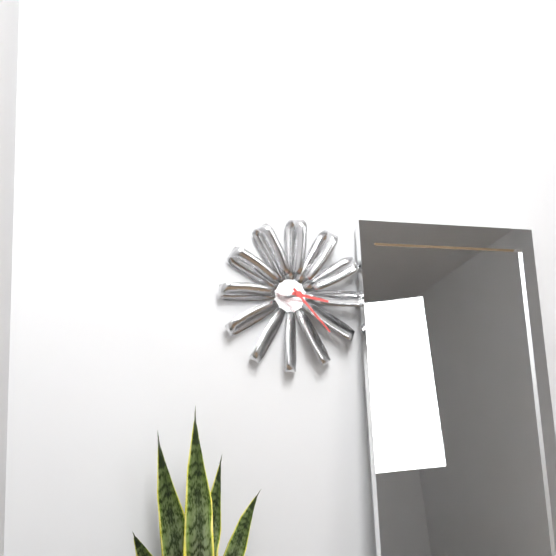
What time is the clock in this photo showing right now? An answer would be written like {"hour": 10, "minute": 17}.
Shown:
{"hour": 3, "minute": 23}
